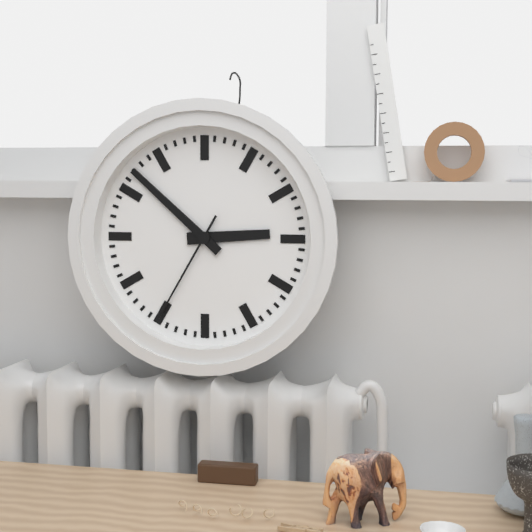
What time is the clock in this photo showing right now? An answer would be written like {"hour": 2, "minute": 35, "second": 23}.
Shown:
{"hour": 2, "minute": 52, "second": 35}
